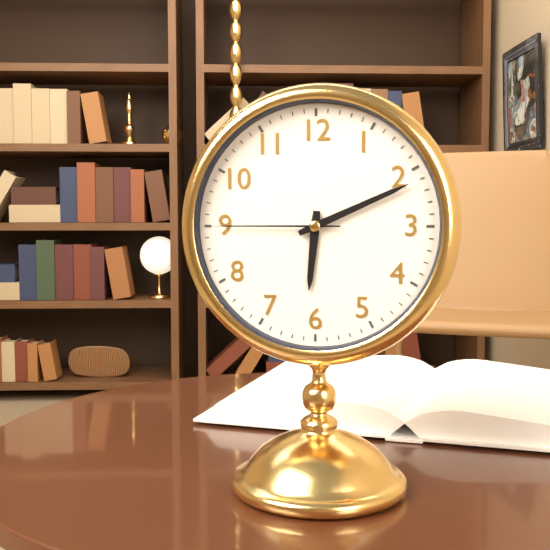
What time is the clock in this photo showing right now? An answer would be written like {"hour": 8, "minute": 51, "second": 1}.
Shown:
{"hour": 6, "minute": 11, "second": 45}
